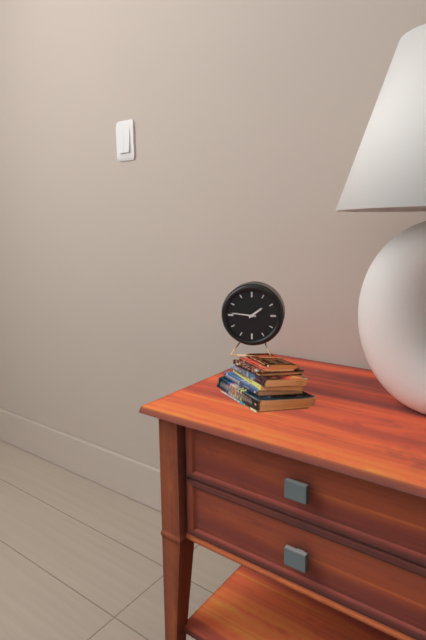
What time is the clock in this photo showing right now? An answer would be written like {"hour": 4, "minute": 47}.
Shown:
{"hour": 1, "minute": 46}
